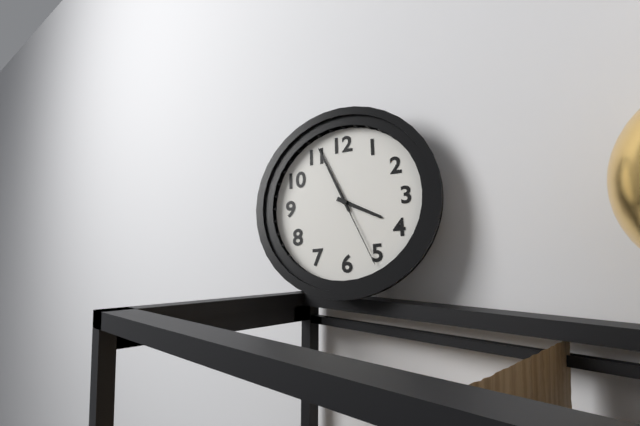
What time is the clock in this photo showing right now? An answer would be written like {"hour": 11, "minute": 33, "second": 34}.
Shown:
{"hour": 3, "minute": 56, "second": 26}
